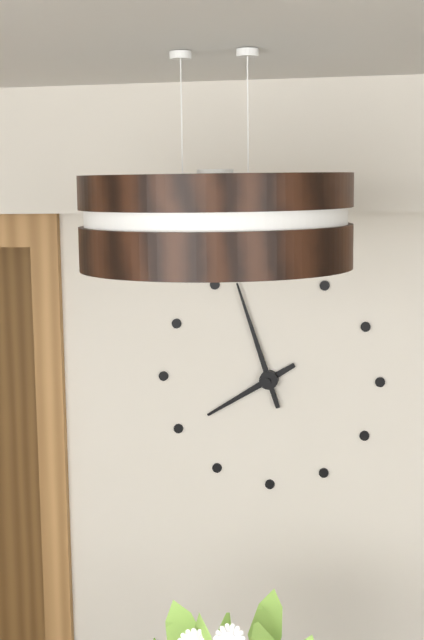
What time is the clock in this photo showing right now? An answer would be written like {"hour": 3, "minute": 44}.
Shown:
{"hour": 7, "minute": 57}
